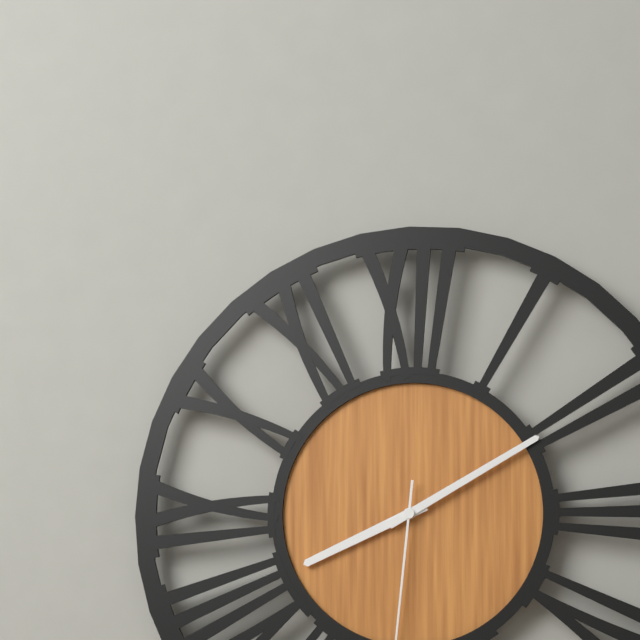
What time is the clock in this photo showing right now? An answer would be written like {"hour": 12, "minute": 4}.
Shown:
{"hour": 8, "minute": 10}
